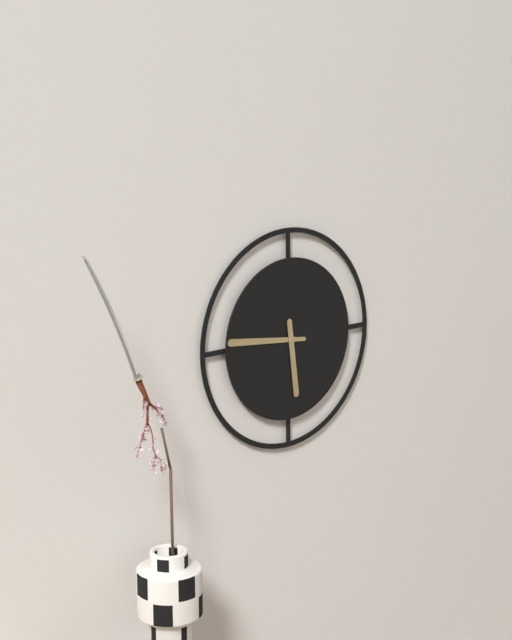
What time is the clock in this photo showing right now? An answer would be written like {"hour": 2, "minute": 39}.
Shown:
{"hour": 5, "minute": 46}
